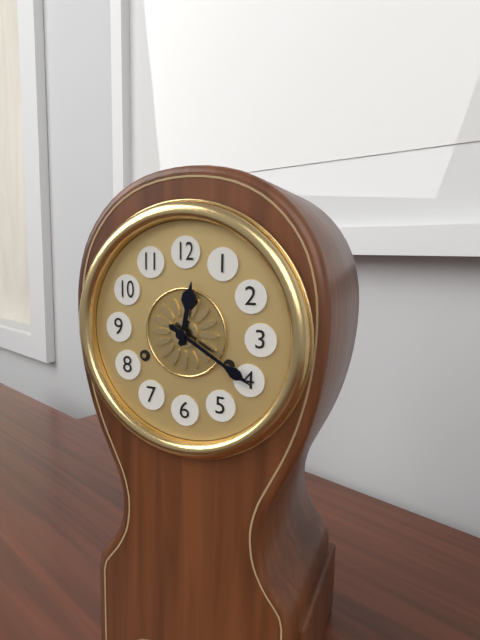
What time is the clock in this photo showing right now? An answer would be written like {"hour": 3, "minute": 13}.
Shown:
{"hour": 12, "minute": 20}
